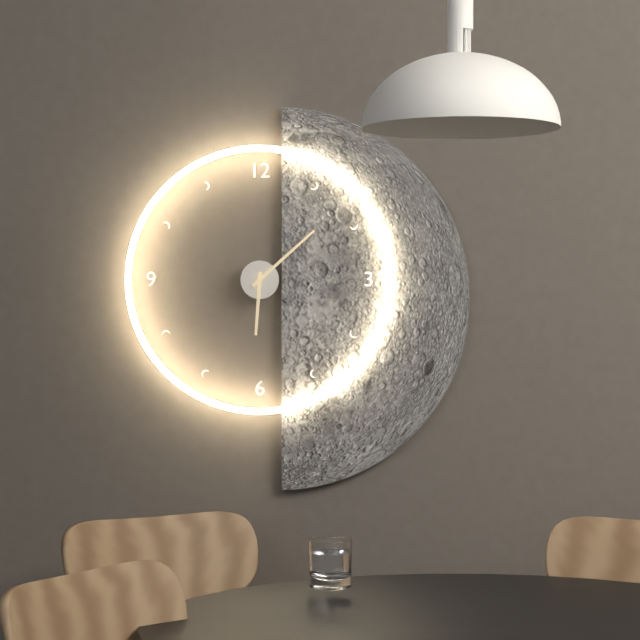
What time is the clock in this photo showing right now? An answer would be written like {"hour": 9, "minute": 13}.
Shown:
{"hour": 6, "minute": 8}
